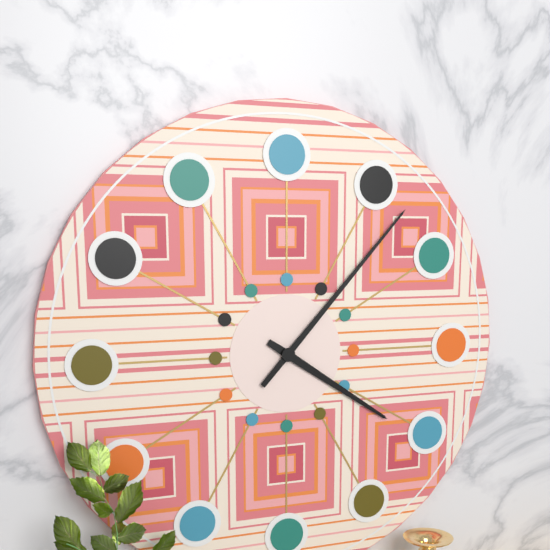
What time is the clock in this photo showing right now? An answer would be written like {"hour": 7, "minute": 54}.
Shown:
{"hour": 4, "minute": 7}
